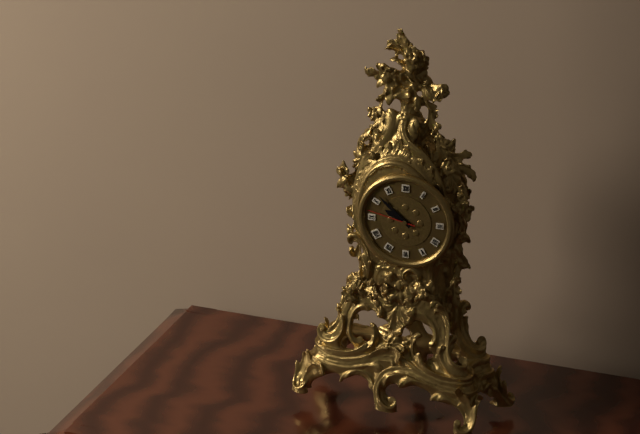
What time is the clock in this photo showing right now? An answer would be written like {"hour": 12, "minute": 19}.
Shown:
{"hour": 9, "minute": 52}
